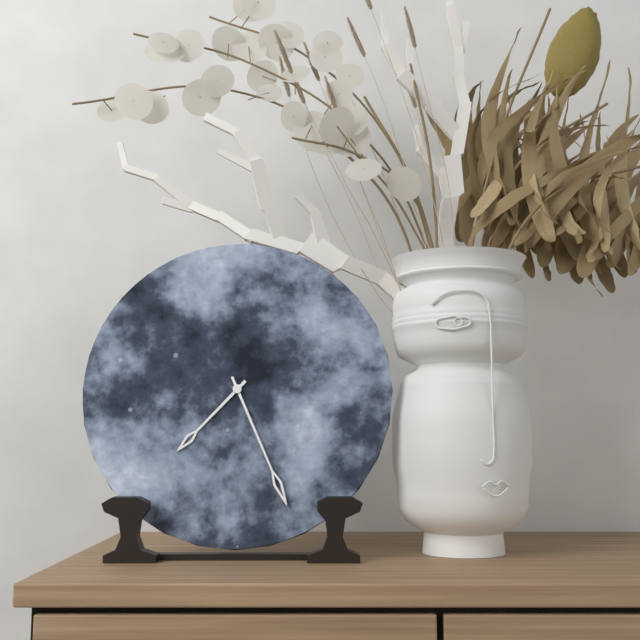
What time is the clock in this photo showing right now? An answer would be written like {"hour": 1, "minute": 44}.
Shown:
{"hour": 7, "minute": 26}
